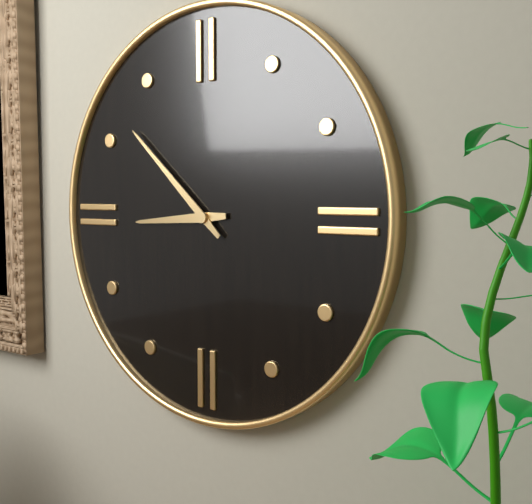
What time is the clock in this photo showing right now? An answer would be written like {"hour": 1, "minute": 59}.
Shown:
{"hour": 8, "minute": 52}
